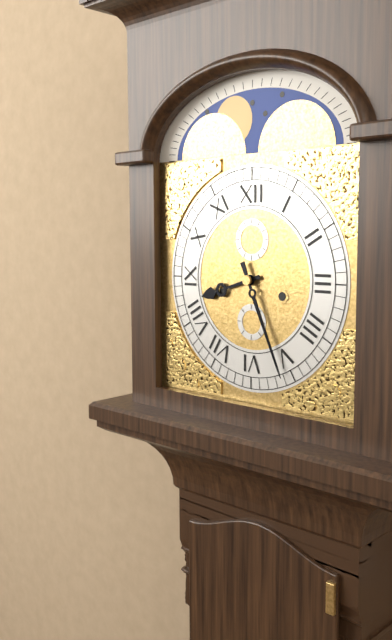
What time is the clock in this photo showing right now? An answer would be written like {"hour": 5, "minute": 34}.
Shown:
{"hour": 8, "minute": 26}
